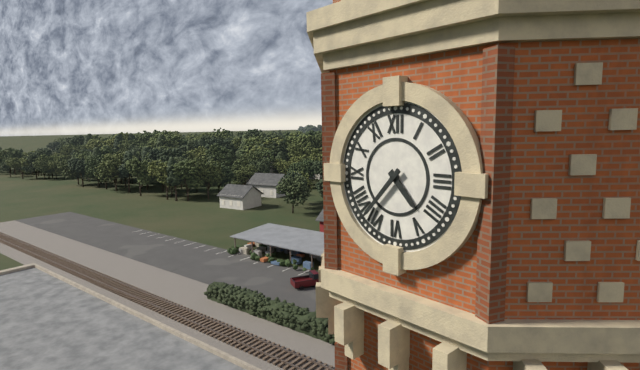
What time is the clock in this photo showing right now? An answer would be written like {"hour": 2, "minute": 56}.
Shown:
{"hour": 4, "minute": 37}
